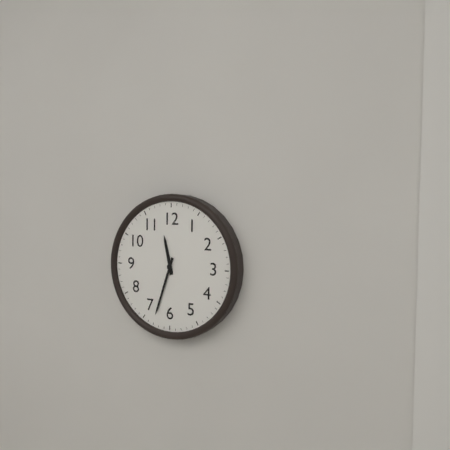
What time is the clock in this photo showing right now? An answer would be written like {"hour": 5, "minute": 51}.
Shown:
{"hour": 11, "minute": 33}
